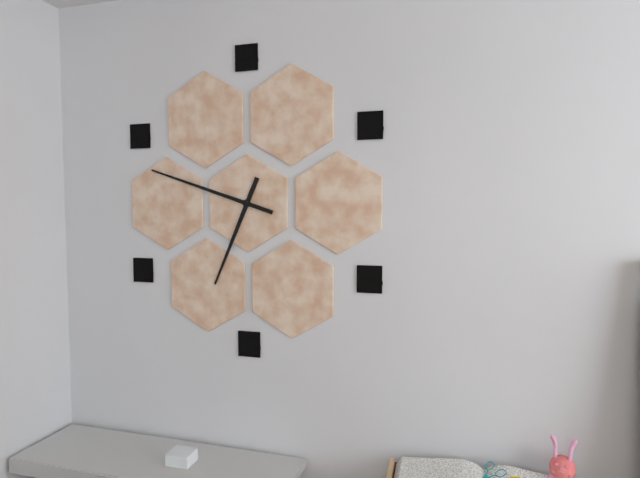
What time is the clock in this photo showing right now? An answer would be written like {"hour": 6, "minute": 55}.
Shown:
{"hour": 6, "minute": 48}
